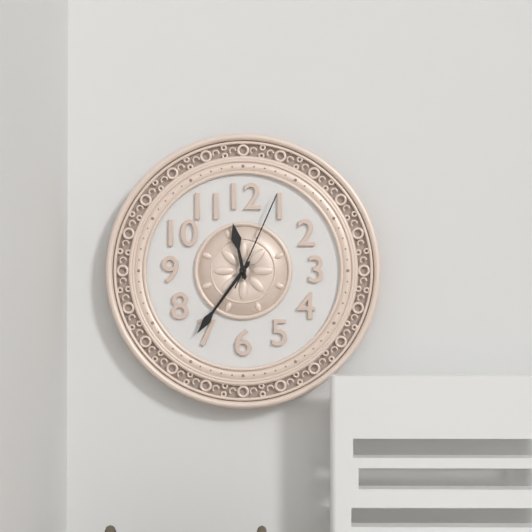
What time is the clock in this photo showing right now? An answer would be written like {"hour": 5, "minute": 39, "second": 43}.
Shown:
{"hour": 11, "minute": 36, "second": 4}
